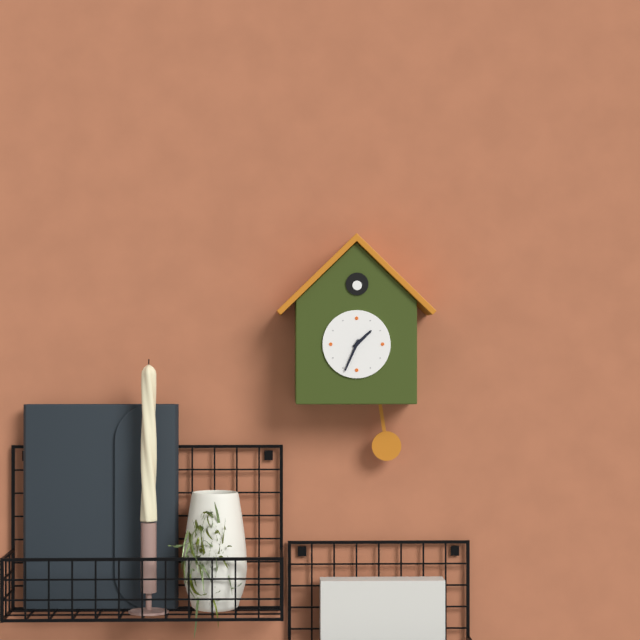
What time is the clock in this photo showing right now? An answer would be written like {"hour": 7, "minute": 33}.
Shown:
{"hour": 1, "minute": 34}
